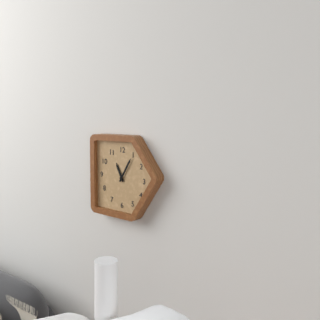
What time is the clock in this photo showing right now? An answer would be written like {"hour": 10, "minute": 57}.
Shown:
{"hour": 11, "minute": 5}
